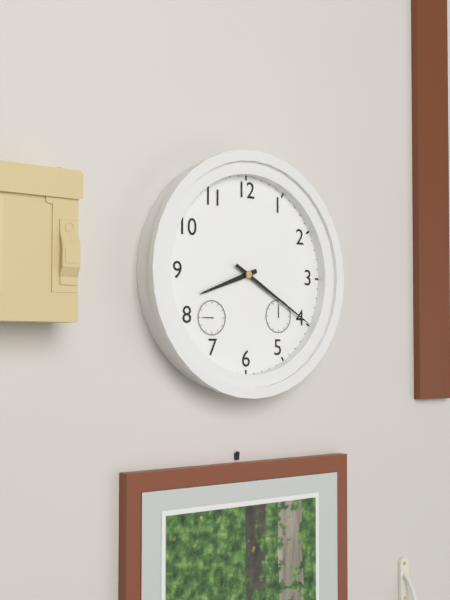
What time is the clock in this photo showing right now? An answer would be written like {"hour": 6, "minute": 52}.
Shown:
{"hour": 8, "minute": 20}
